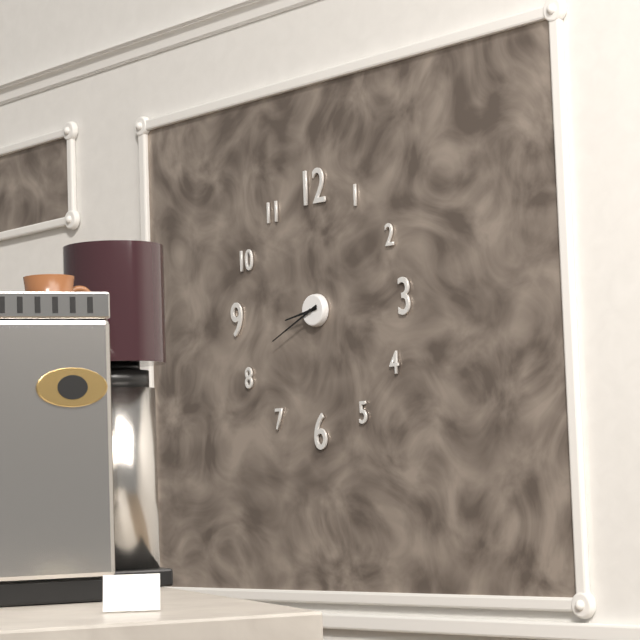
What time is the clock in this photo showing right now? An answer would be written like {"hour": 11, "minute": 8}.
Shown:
{"hour": 8, "minute": 41}
